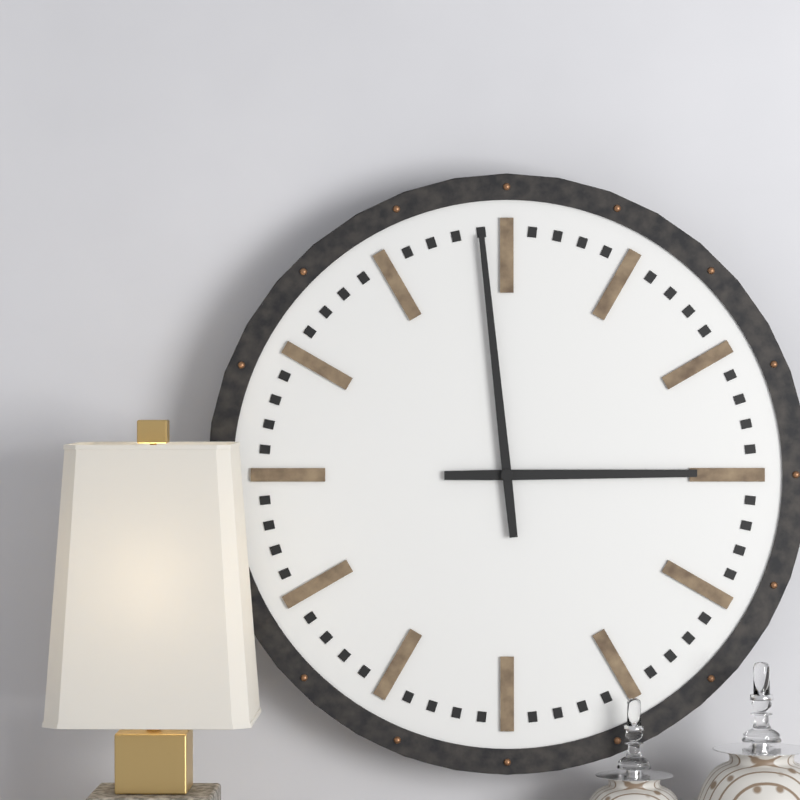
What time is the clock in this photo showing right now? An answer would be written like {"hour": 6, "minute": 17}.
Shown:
{"hour": 2, "minute": 59}
